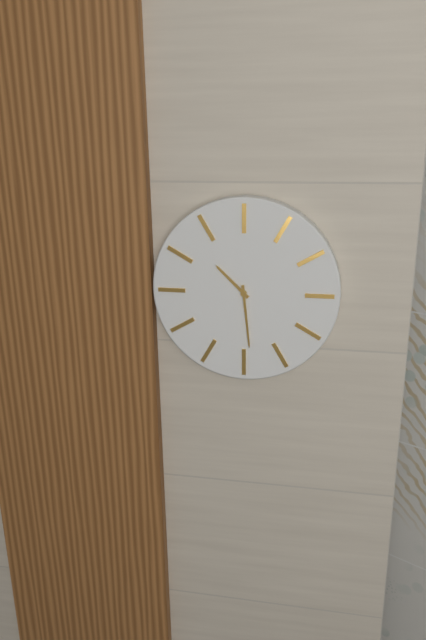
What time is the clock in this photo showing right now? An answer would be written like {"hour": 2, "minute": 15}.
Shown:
{"hour": 10, "minute": 29}
